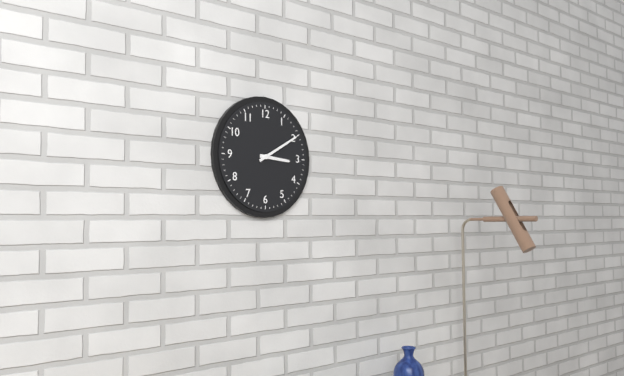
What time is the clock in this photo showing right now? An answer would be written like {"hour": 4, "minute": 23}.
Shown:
{"hour": 3, "minute": 10}
